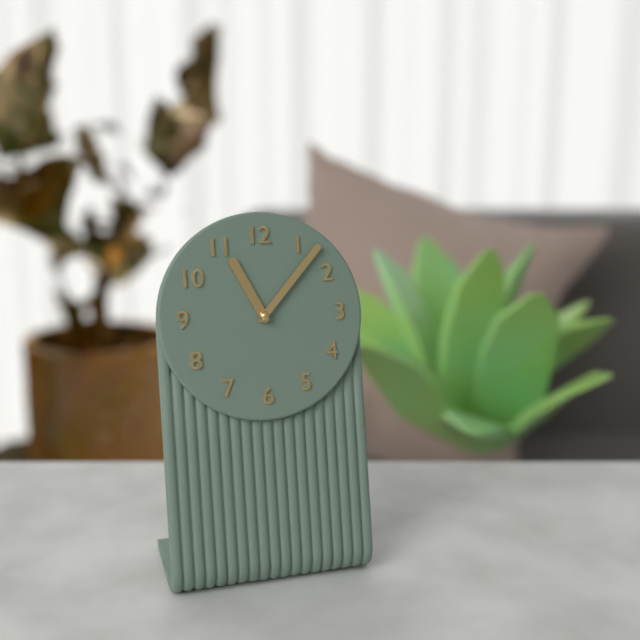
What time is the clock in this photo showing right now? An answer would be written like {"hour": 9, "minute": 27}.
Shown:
{"hour": 11, "minute": 7}
